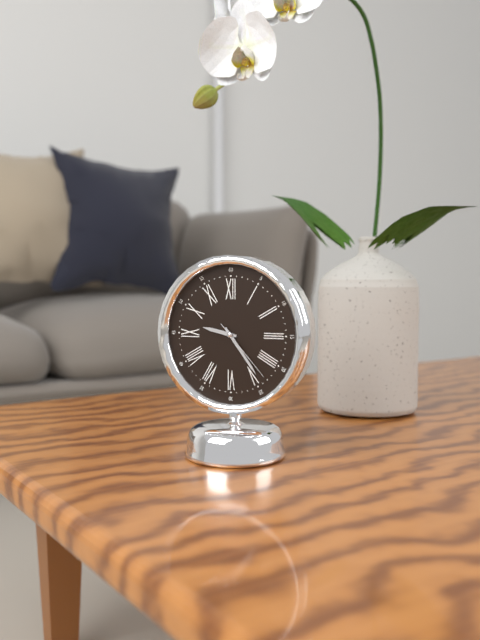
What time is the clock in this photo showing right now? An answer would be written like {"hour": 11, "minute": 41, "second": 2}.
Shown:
{"hour": 9, "minute": 24, "second": 23}
